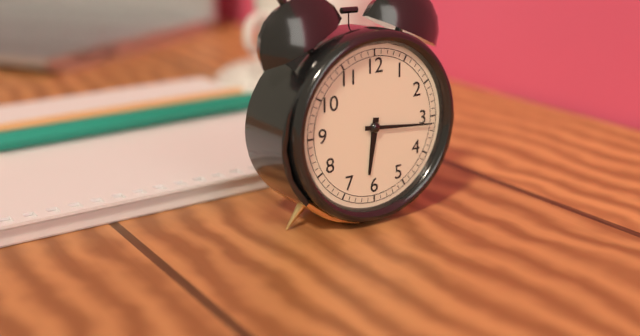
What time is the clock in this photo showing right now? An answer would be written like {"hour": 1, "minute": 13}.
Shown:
{"hour": 6, "minute": 16}
